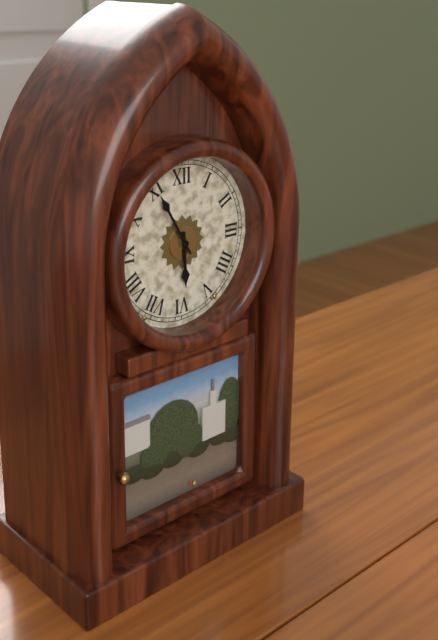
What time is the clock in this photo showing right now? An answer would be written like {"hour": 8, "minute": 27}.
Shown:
{"hour": 5, "minute": 55}
